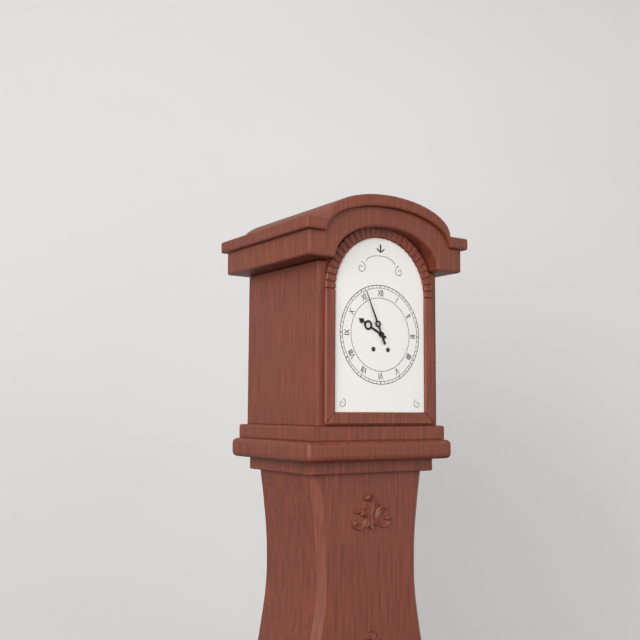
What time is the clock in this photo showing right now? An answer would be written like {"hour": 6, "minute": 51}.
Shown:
{"hour": 9, "minute": 56}
